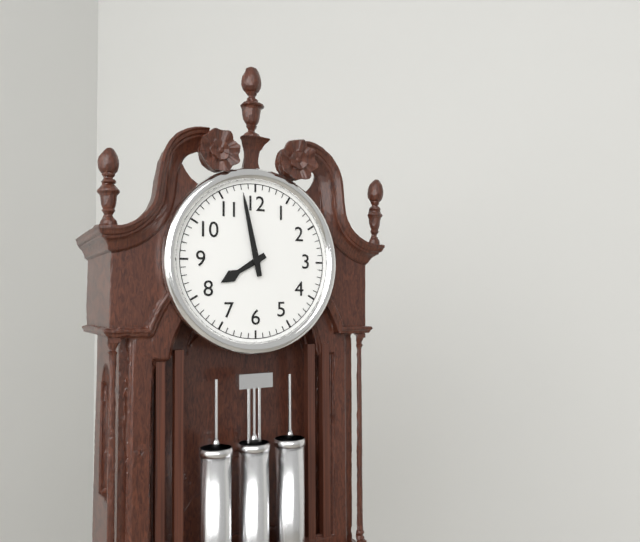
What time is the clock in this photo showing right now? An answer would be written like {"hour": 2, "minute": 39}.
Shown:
{"hour": 7, "minute": 58}
